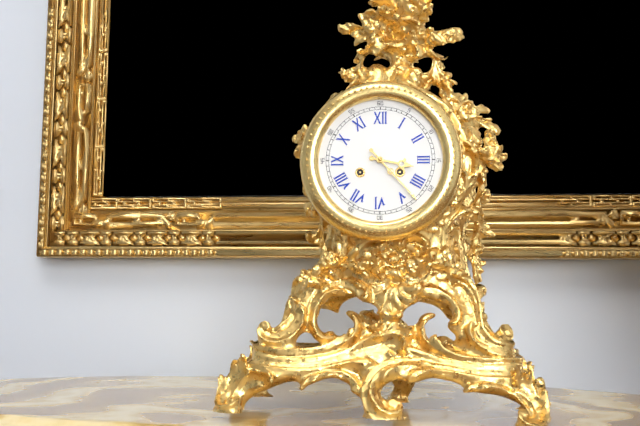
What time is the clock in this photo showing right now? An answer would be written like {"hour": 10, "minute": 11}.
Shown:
{"hour": 3, "minute": 23}
